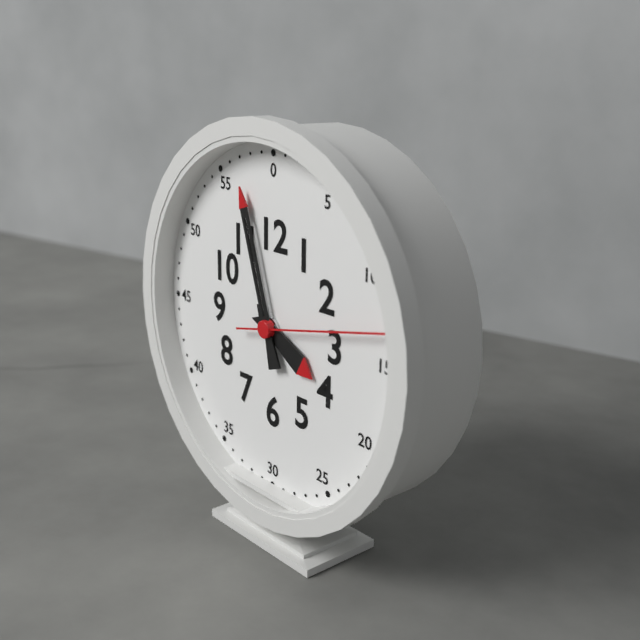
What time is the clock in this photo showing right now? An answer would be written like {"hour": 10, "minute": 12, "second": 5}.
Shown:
{"hour": 3, "minute": 57, "second": 13}
